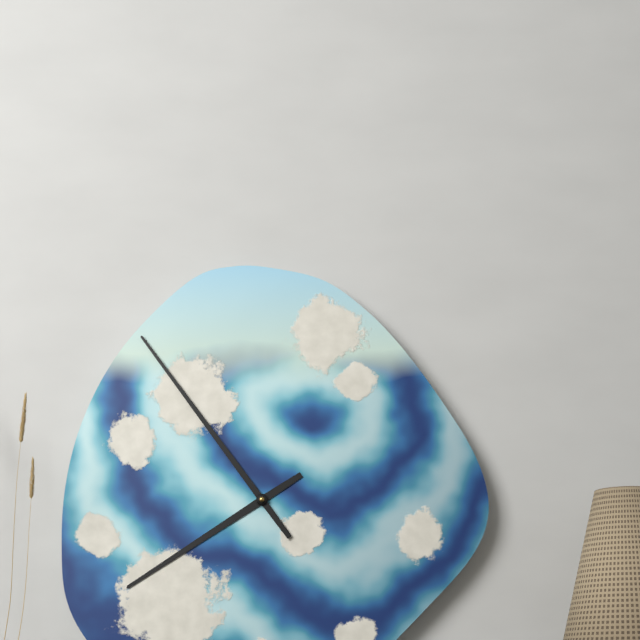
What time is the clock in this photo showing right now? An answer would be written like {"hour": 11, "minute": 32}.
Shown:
{"hour": 7, "minute": 54}
